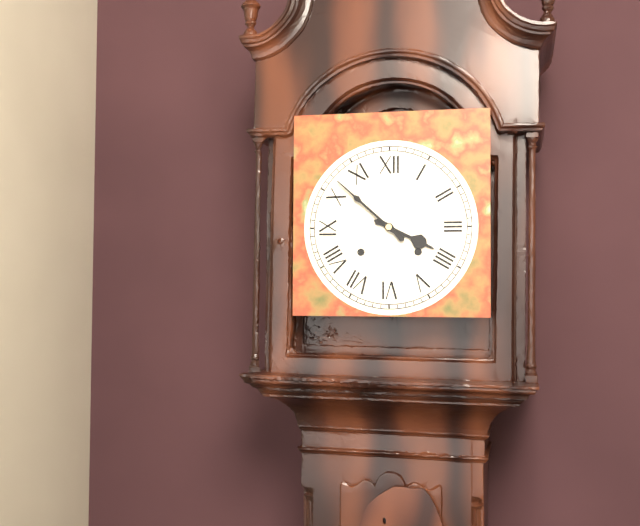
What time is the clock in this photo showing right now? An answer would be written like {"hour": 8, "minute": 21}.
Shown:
{"hour": 3, "minute": 52}
